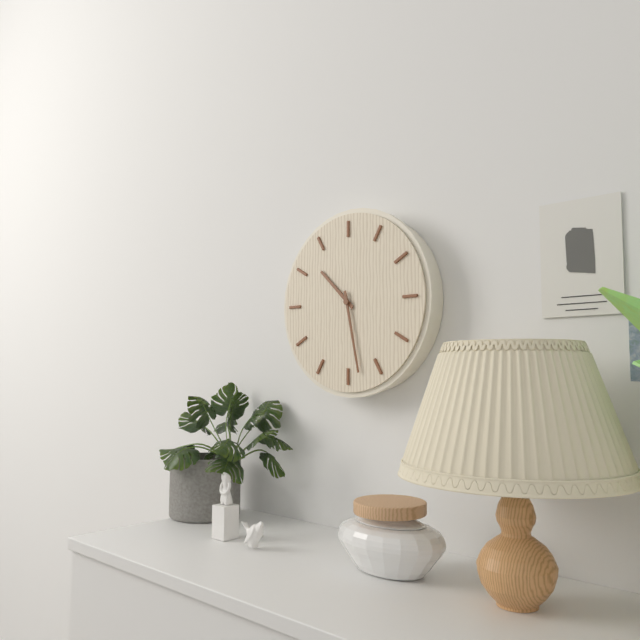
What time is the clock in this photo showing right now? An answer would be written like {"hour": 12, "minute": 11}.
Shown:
{"hour": 10, "minute": 28}
